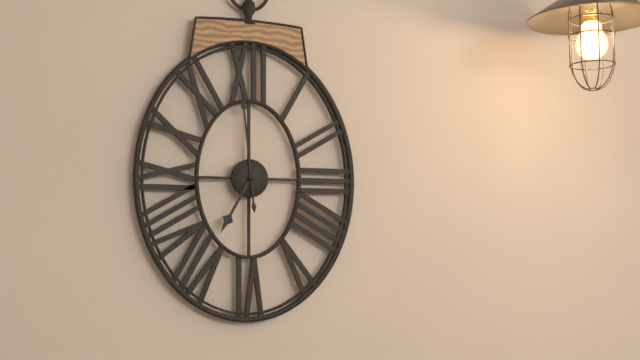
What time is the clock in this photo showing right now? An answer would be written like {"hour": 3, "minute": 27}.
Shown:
{"hour": 6, "minute": 59}
